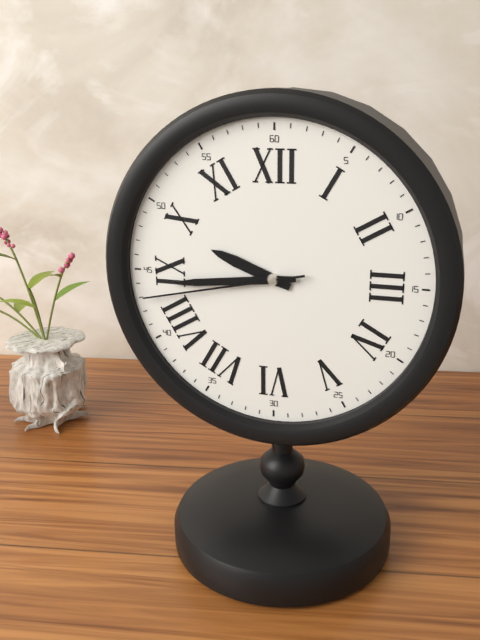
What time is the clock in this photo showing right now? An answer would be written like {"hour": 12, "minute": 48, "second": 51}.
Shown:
{"hour": 9, "minute": 44, "second": 43}
